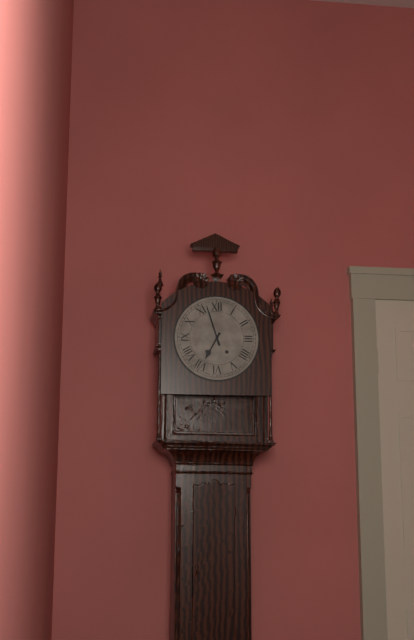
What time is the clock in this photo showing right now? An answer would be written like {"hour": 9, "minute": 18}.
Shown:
{"hour": 6, "minute": 57}
